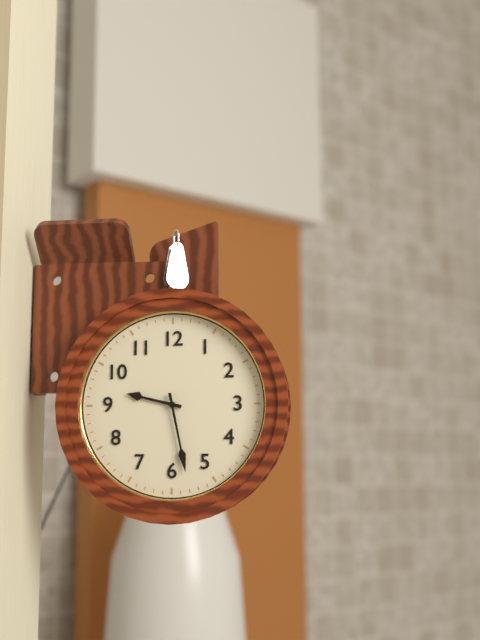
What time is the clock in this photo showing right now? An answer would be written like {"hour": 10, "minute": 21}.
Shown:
{"hour": 9, "minute": 28}
